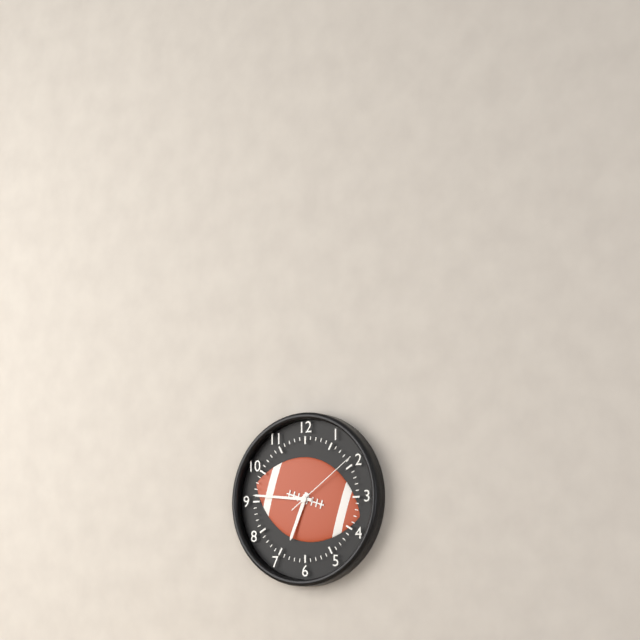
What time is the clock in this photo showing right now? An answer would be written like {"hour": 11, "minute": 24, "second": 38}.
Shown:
{"hour": 6, "minute": 46, "second": 9}
